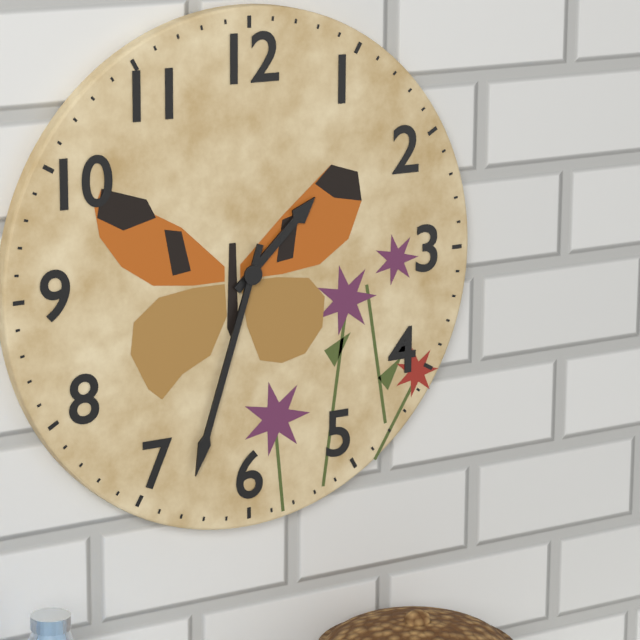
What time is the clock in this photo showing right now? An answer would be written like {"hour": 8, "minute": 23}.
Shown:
{"hour": 1, "minute": 33}
